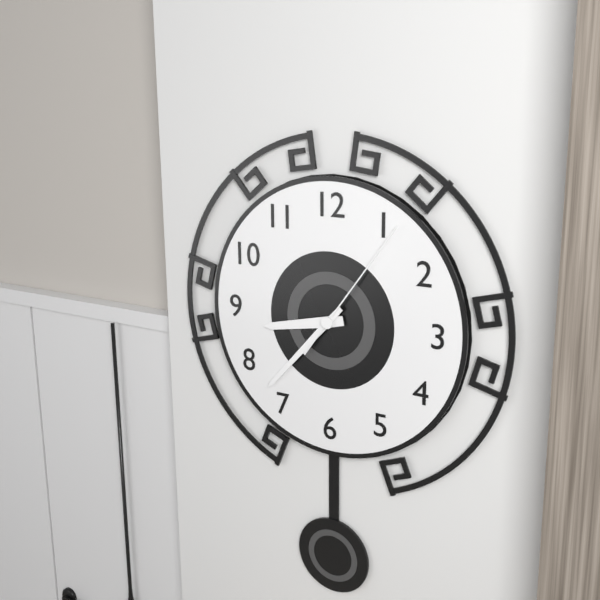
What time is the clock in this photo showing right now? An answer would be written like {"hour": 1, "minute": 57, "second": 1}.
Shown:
{"hour": 8, "minute": 37, "second": 6}
